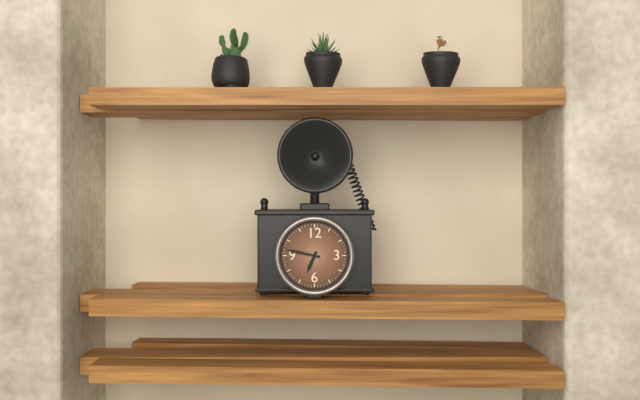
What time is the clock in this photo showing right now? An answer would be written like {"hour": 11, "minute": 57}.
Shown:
{"hour": 6, "minute": 47}
